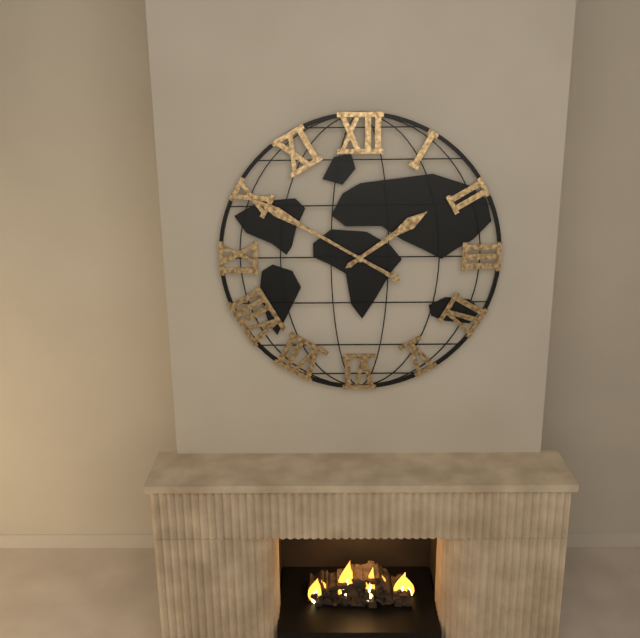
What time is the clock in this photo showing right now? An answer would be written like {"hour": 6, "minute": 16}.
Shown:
{"hour": 1, "minute": 50}
